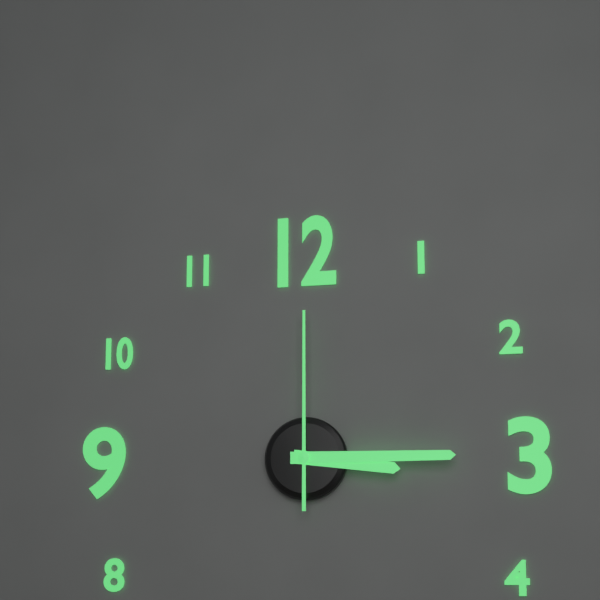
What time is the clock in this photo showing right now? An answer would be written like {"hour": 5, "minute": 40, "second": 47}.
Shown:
{"hour": 3, "minute": 15, "second": 0}
